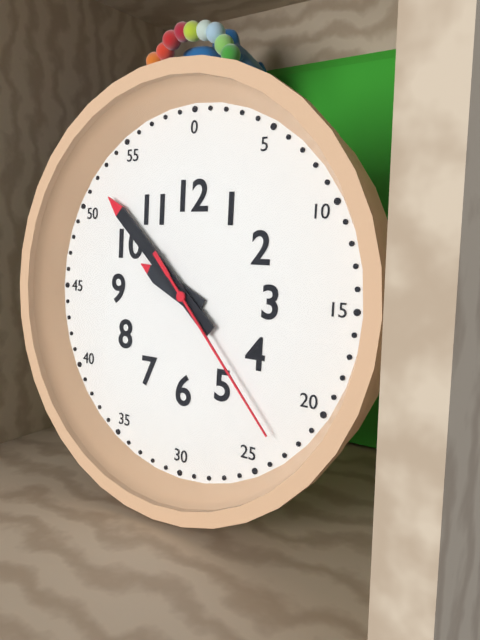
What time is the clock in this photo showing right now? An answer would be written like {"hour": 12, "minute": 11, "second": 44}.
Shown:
{"hour": 9, "minute": 52, "second": 23}
